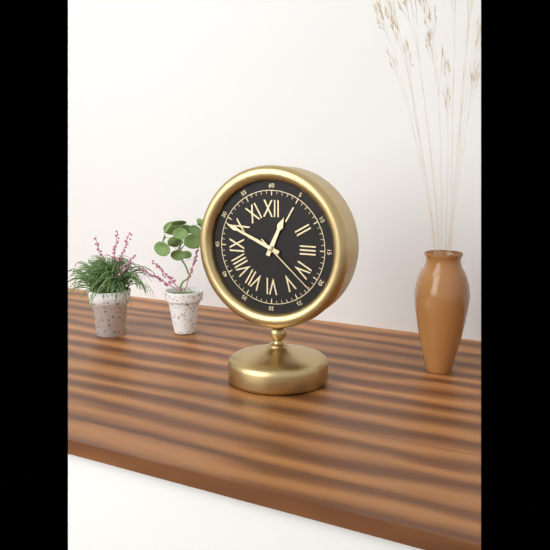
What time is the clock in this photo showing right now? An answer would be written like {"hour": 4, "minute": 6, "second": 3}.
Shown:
{"hour": 12, "minute": 49, "second": 22}
